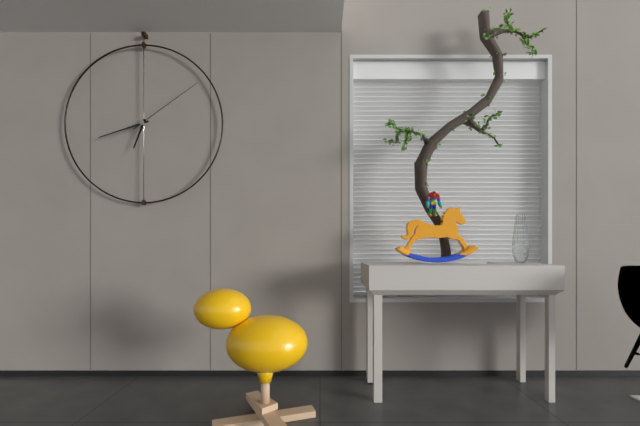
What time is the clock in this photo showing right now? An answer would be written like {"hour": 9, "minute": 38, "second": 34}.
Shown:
{"hour": 6, "minute": 42, "second": 9}
